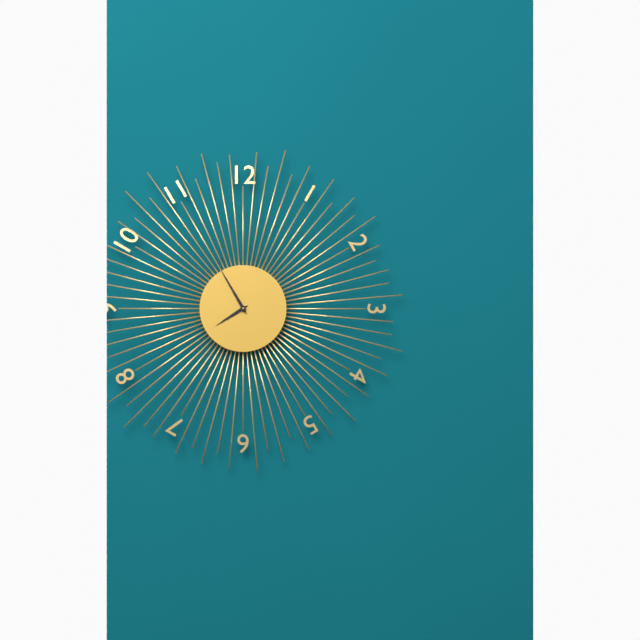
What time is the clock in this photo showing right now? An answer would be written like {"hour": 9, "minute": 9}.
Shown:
{"hour": 7, "minute": 55}
